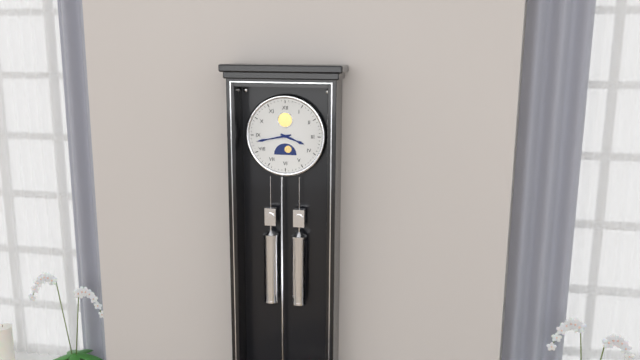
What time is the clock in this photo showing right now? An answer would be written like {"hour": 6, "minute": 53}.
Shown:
{"hour": 3, "minute": 43}
